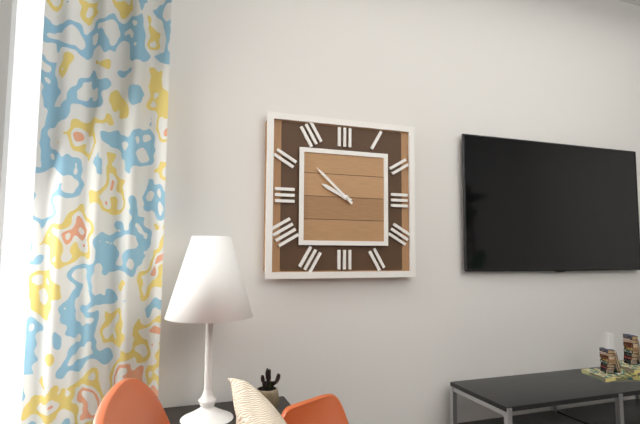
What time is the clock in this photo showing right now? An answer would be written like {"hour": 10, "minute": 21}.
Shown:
{"hour": 9, "minute": 52}
